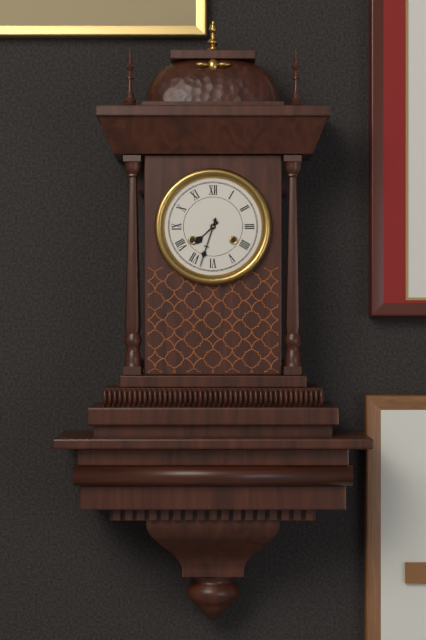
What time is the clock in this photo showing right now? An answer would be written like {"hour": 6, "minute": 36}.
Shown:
{"hour": 7, "minute": 33}
